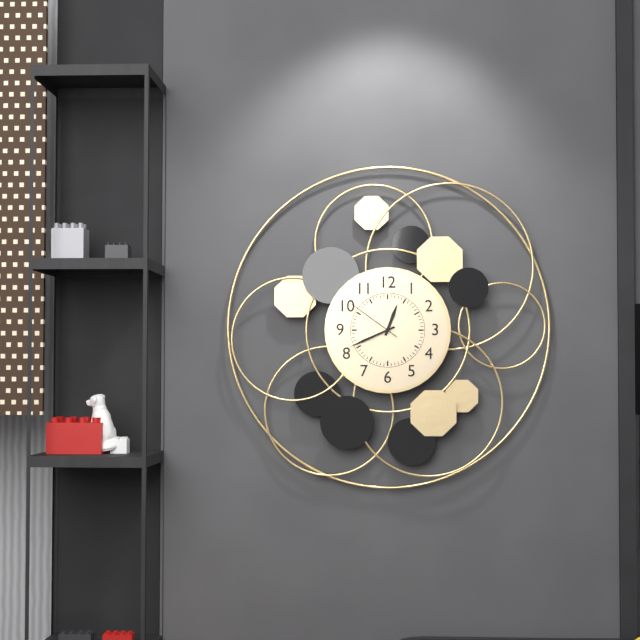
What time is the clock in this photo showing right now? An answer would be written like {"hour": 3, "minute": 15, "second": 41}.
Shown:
{"hour": 12, "minute": 41, "second": 51}
